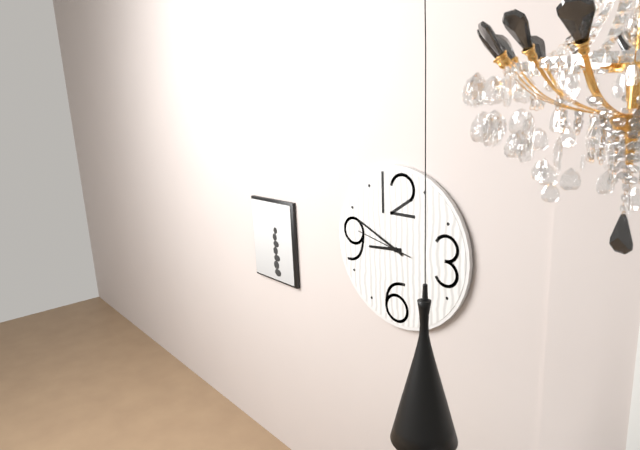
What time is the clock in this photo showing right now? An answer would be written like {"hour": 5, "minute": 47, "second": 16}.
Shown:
{"hour": 8, "minute": 49, "second": 47}
